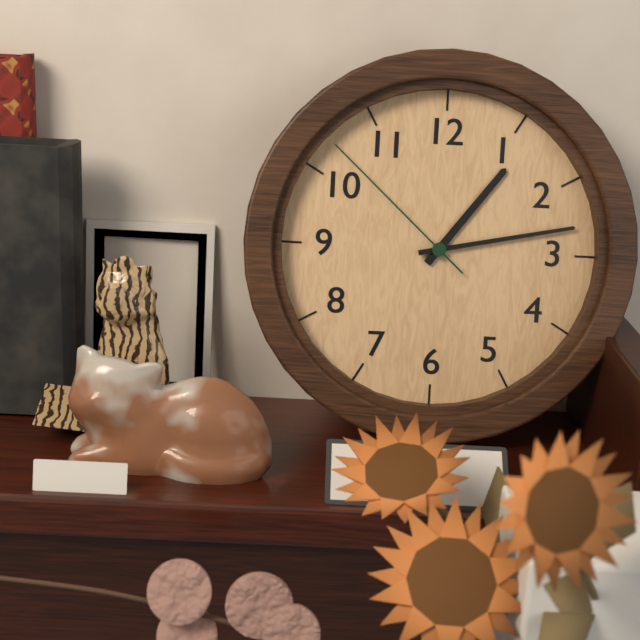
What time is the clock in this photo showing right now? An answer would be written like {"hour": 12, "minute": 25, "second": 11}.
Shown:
{"hour": 1, "minute": 13, "second": 52}
